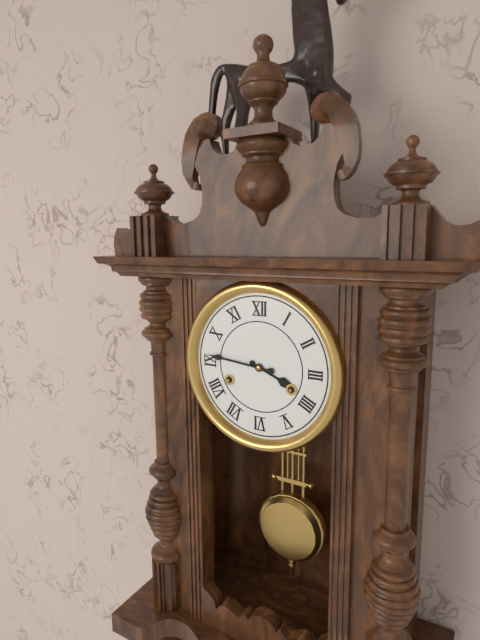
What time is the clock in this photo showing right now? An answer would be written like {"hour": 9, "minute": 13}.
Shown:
{"hour": 3, "minute": 46}
